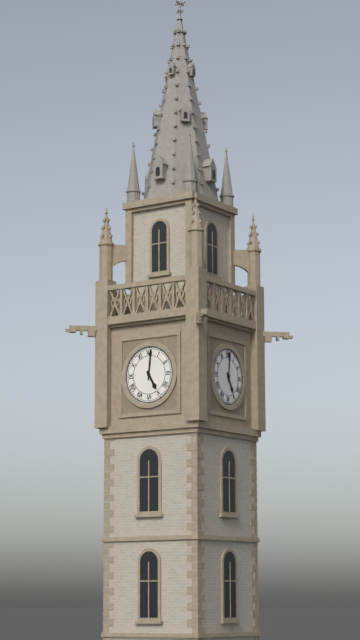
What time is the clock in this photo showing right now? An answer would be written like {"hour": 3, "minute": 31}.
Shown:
{"hour": 5, "minute": 1}
